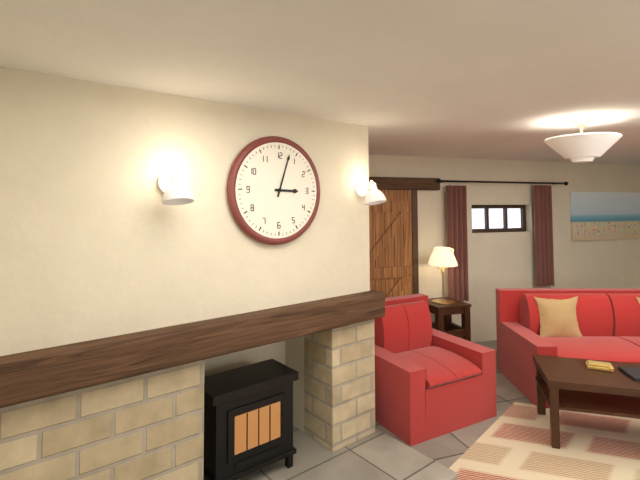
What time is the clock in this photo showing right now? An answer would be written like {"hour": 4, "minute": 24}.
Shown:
{"hour": 3, "minute": 3}
